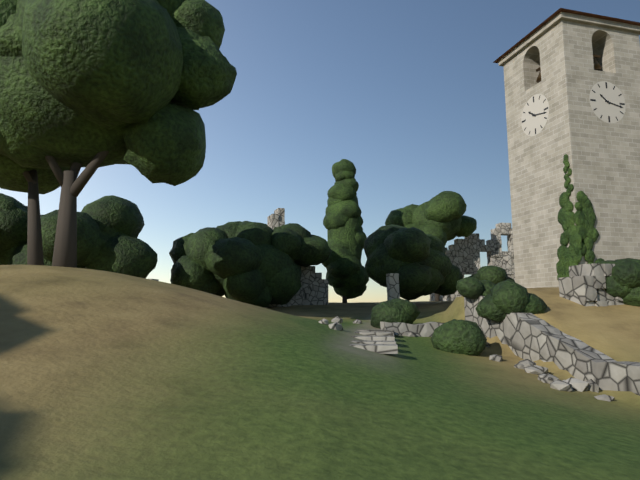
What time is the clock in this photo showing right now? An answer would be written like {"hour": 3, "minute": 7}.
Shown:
{"hour": 10, "minute": 17}
